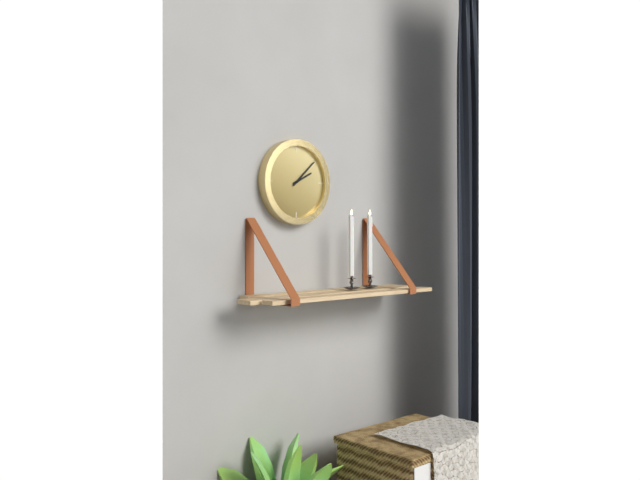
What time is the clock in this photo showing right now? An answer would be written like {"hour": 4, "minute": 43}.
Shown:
{"hour": 2, "minute": 8}
